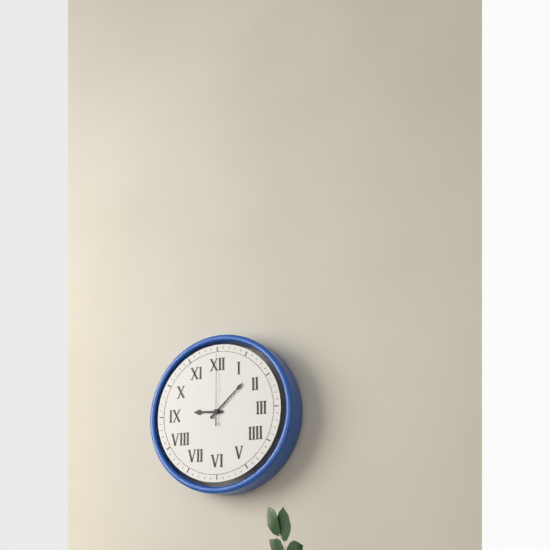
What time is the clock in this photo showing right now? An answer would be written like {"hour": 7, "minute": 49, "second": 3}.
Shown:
{"hour": 9, "minute": 8, "second": 0}
